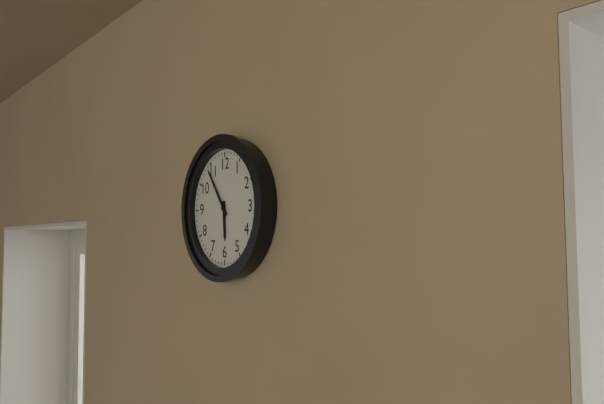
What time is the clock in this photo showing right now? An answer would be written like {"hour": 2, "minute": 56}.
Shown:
{"hour": 5, "minute": 54}
